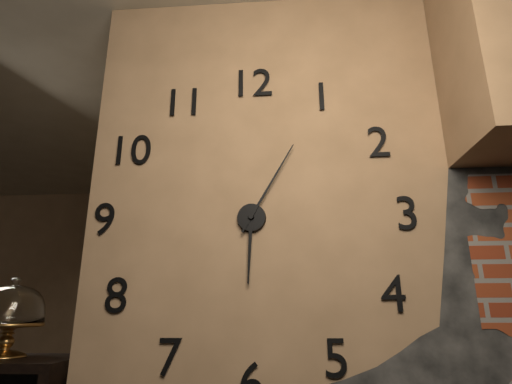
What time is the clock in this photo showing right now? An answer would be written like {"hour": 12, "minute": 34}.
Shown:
{"hour": 6, "minute": 5}
